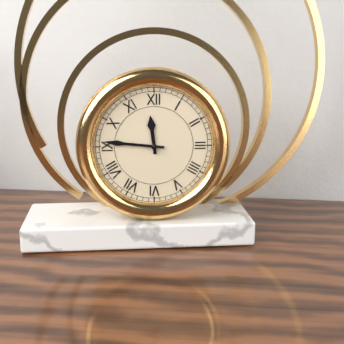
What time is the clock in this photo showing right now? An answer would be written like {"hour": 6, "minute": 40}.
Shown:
{"hour": 11, "minute": 46}
